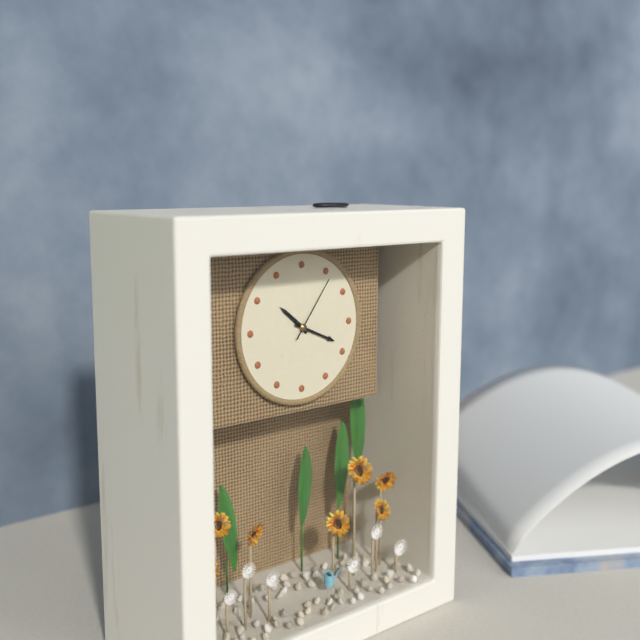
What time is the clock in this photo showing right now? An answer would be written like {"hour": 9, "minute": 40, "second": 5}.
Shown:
{"hour": 10, "minute": 19, "second": 6}
